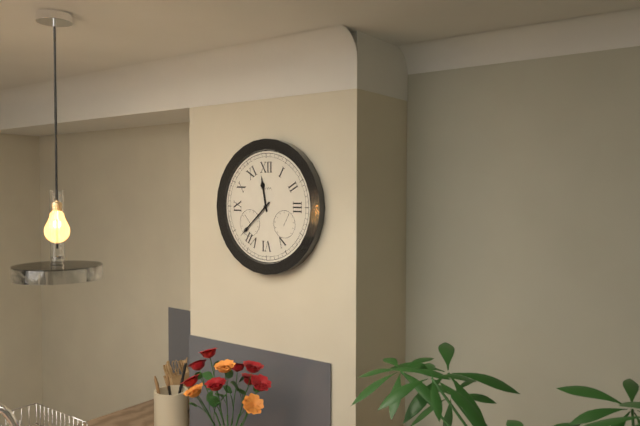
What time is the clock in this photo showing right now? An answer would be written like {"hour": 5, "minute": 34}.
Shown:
{"hour": 11, "minute": 38}
